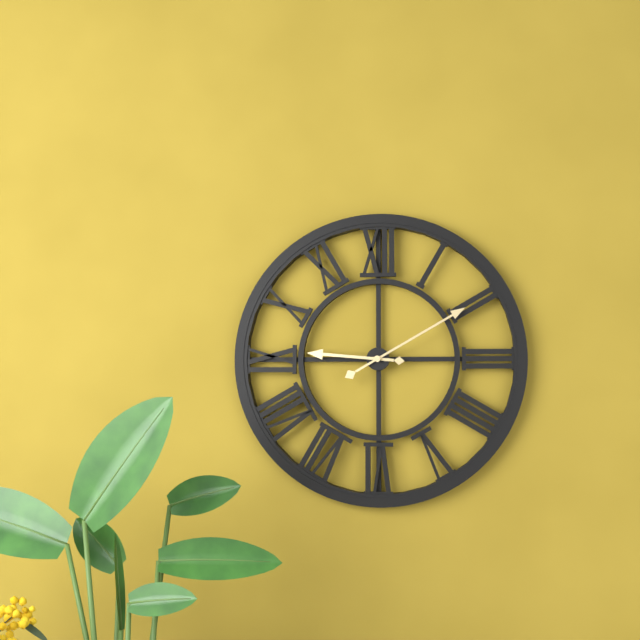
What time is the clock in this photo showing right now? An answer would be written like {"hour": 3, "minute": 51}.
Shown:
{"hour": 9, "minute": 10}
